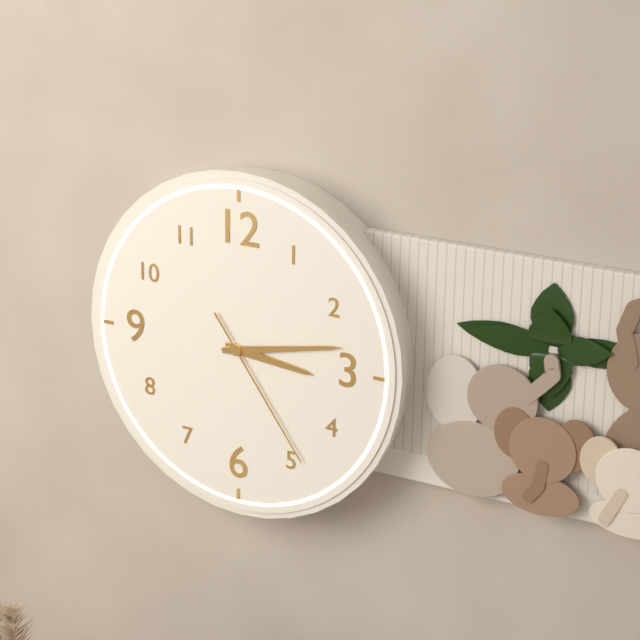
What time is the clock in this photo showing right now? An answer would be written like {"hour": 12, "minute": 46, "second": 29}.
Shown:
{"hour": 3, "minute": 13, "second": 24}
